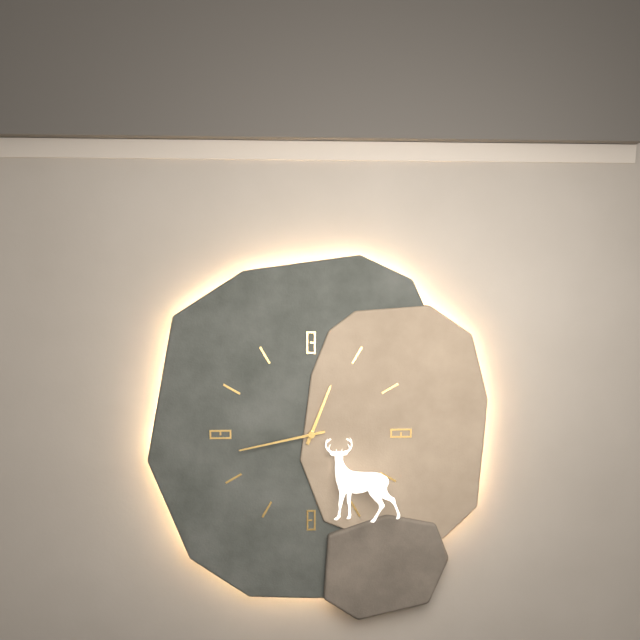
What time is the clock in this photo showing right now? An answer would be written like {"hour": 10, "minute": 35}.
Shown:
{"hour": 12, "minute": 43}
